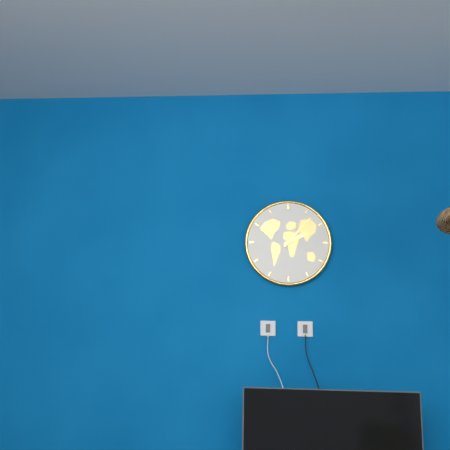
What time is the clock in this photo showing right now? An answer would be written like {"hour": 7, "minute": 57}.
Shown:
{"hour": 2, "minute": 7}
